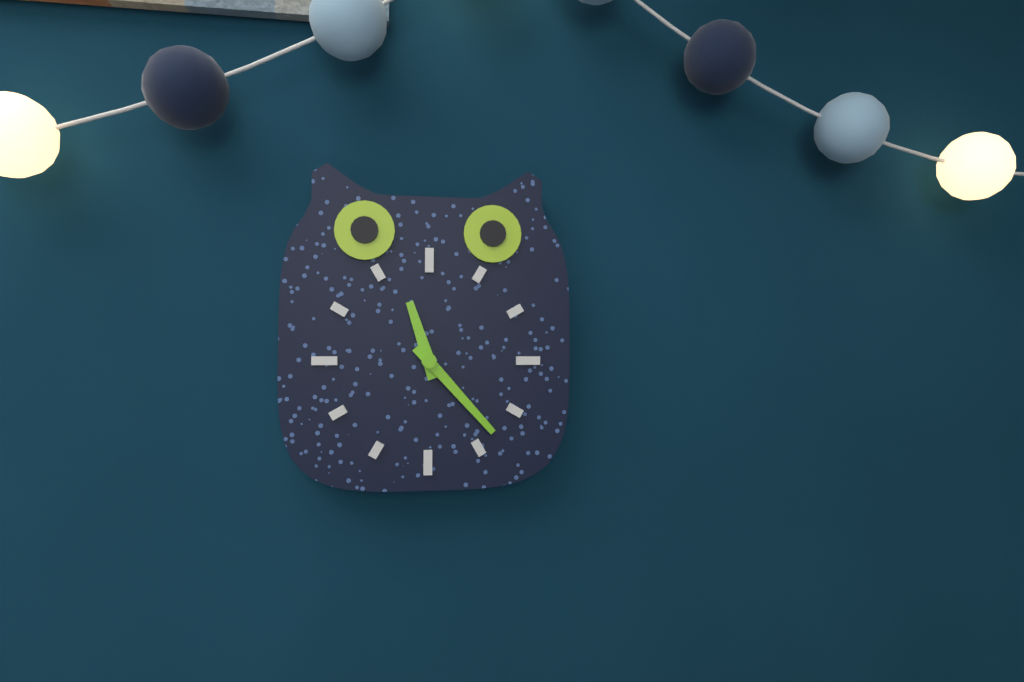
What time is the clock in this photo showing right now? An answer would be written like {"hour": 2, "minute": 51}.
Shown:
{"hour": 11, "minute": 23}
